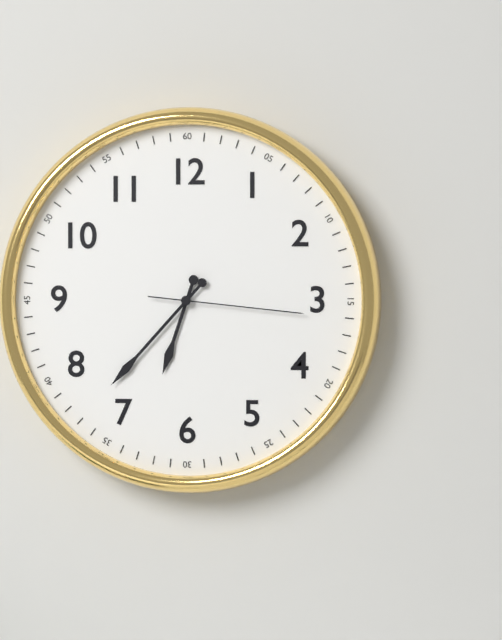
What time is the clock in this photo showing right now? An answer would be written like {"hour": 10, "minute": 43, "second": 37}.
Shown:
{"hour": 6, "minute": 37, "second": 16}
